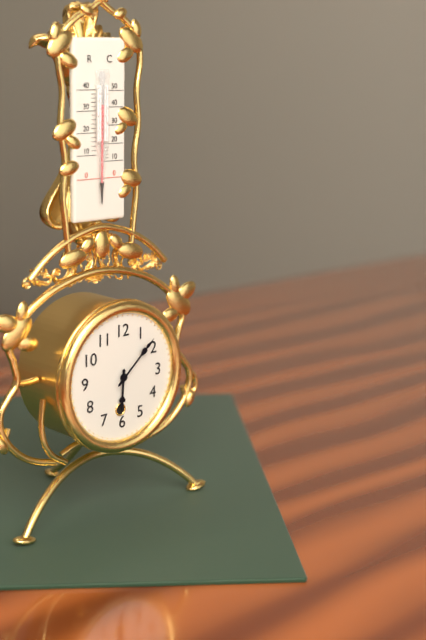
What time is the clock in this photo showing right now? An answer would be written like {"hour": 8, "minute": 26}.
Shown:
{"hour": 6, "minute": 8}
